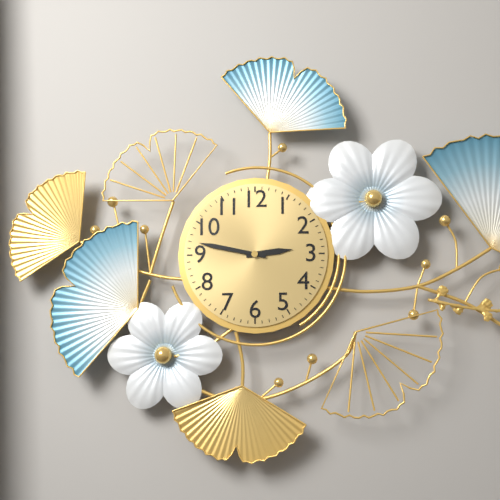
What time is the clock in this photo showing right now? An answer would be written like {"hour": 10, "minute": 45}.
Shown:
{"hour": 2, "minute": 47}
